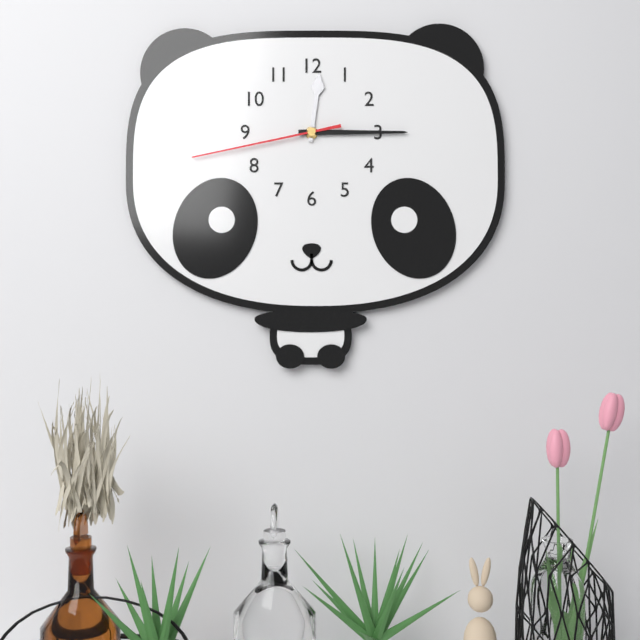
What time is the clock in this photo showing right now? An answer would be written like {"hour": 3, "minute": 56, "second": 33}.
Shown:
{"hour": 12, "minute": 15, "second": 43}
